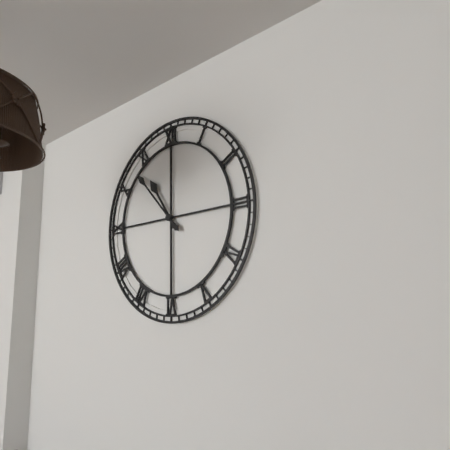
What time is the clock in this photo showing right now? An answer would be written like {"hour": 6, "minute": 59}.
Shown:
{"hour": 10, "minute": 53}
